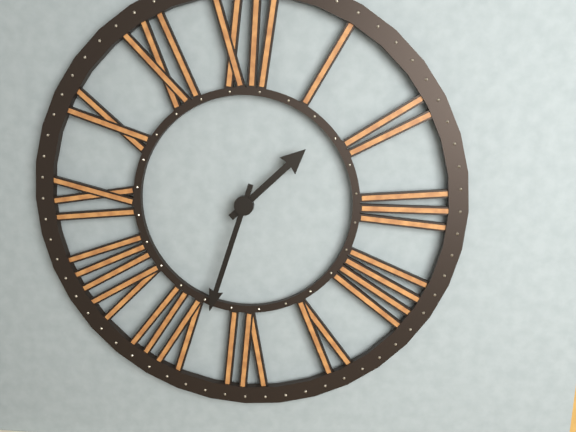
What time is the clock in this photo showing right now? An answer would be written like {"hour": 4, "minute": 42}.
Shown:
{"hour": 1, "minute": 33}
